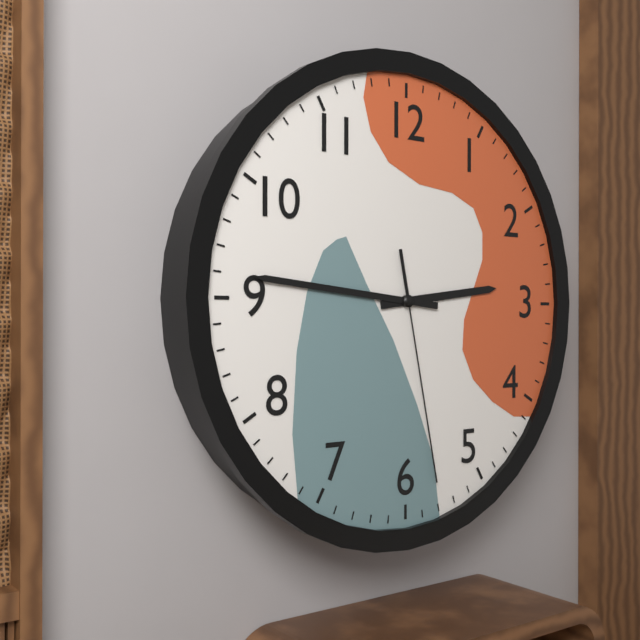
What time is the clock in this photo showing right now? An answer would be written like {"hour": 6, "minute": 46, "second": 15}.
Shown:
{"hour": 2, "minute": 46, "second": 28}
